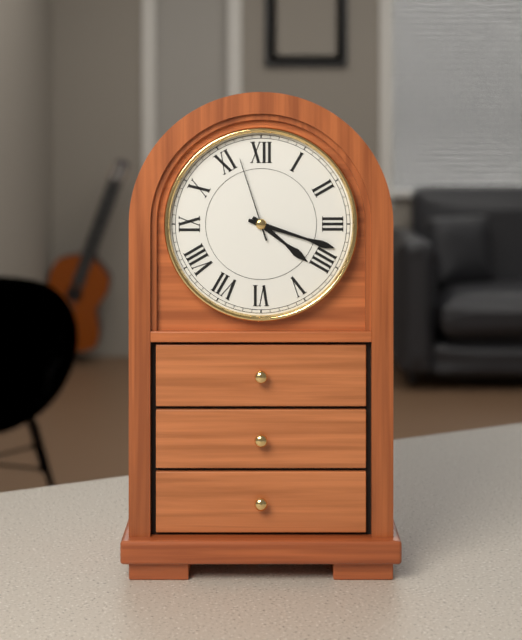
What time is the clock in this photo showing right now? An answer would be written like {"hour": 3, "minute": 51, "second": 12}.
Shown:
{"hour": 4, "minute": 18, "second": 57}
